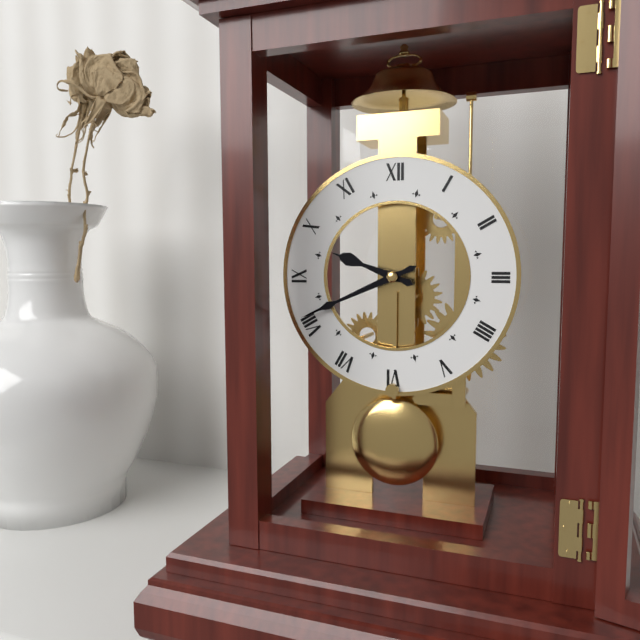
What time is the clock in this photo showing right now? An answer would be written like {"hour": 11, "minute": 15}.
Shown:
{"hour": 9, "minute": 41}
